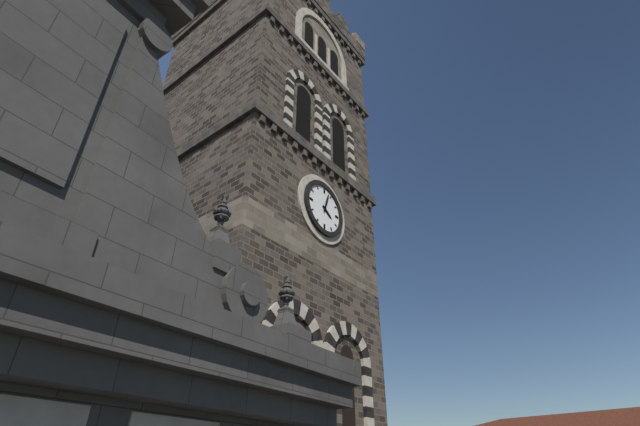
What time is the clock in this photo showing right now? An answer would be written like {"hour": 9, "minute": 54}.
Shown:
{"hour": 4, "minute": 3}
